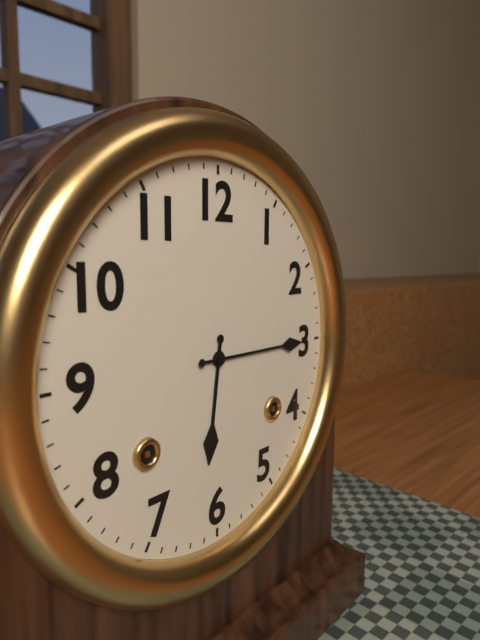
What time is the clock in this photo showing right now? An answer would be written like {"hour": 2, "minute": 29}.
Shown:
{"hour": 6, "minute": 15}
